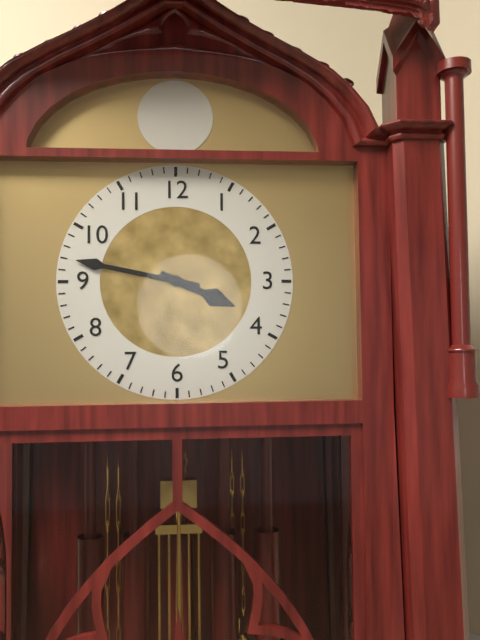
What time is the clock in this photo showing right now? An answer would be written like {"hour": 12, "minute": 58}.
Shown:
{"hour": 3, "minute": 47}
